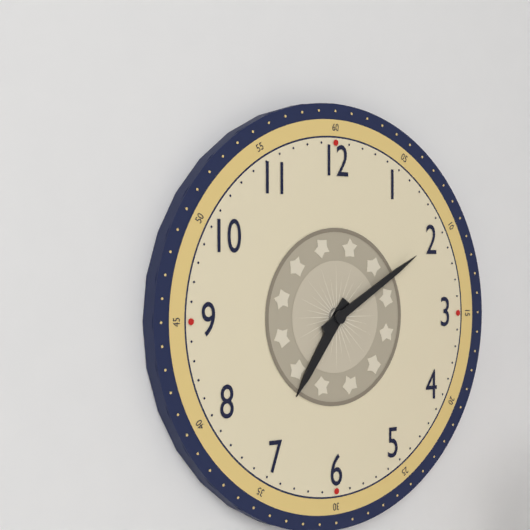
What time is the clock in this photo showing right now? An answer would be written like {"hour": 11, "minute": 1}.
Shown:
{"hour": 7, "minute": 10}
